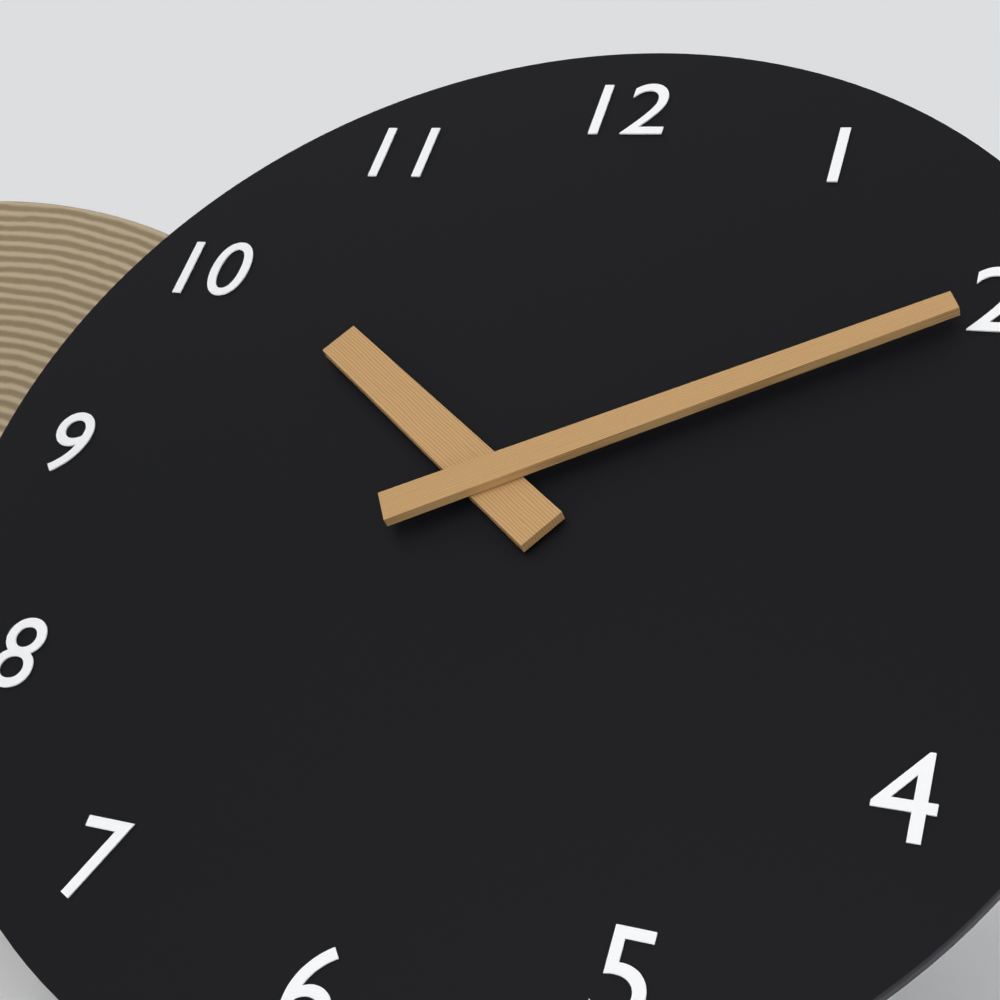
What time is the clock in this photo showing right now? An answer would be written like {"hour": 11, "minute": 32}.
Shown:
{"hour": 10, "minute": 10}
